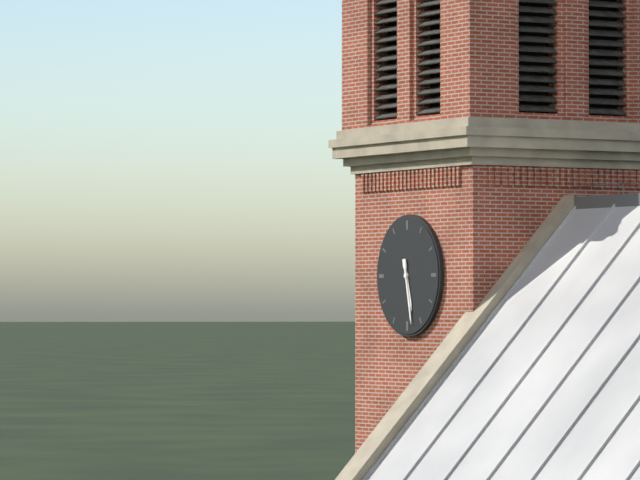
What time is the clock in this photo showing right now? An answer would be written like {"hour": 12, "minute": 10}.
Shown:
{"hour": 5, "minute": 28}
